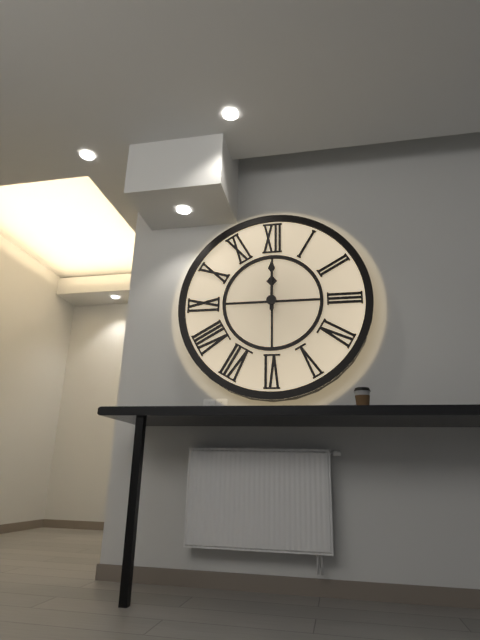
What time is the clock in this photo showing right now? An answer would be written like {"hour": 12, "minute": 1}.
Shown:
{"hour": 12, "minute": 0}
